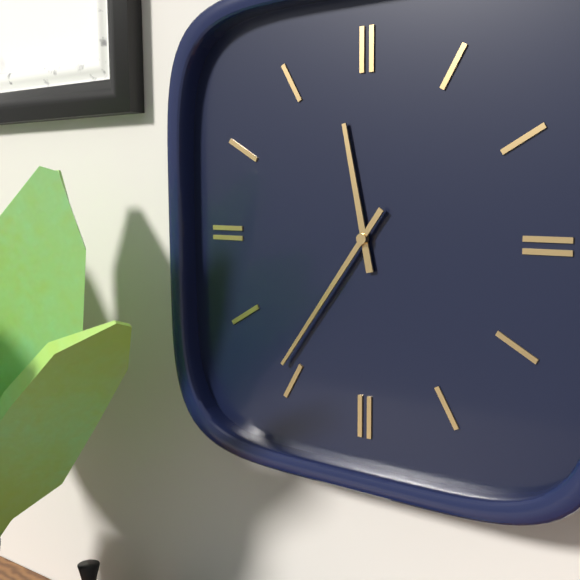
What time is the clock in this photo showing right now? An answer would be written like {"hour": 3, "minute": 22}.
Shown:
{"hour": 11, "minute": 36}
